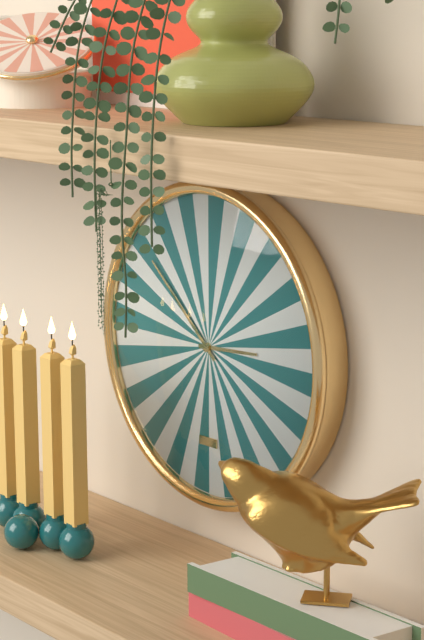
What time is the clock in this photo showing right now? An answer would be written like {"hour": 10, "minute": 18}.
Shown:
{"hour": 2, "minute": 52}
